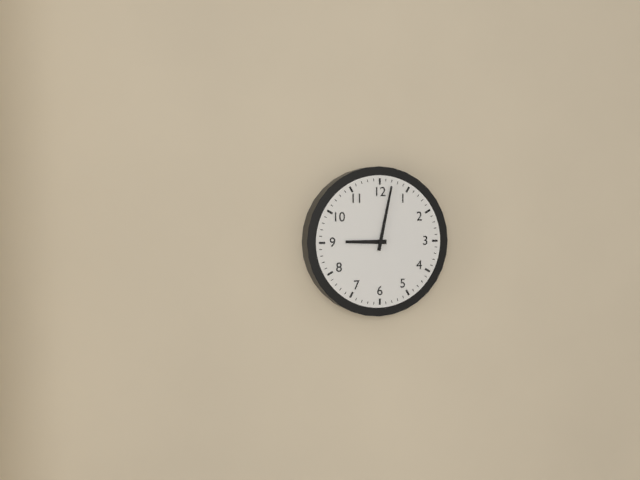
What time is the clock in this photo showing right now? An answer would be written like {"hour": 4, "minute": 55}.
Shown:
{"hour": 9, "minute": 2}
